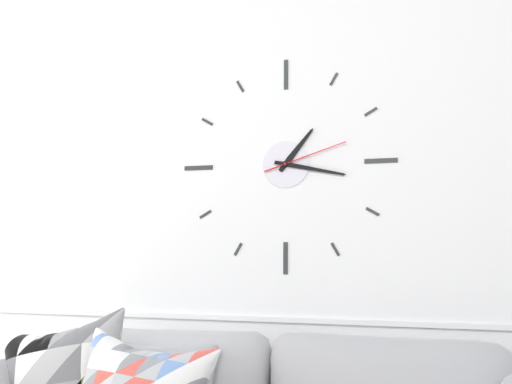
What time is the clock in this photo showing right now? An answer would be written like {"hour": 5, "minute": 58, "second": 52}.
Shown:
{"hour": 1, "minute": 17, "second": 12}
